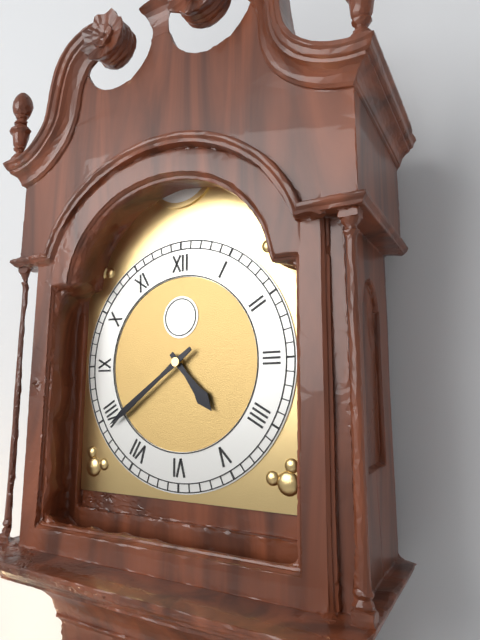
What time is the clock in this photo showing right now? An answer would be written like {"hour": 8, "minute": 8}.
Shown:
{"hour": 4, "minute": 39}
